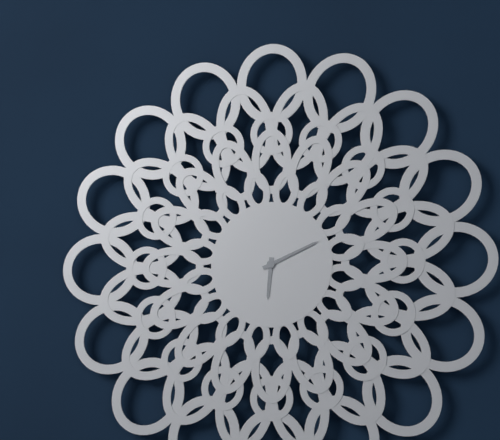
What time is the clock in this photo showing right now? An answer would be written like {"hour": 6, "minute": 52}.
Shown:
{"hour": 6, "minute": 11}
